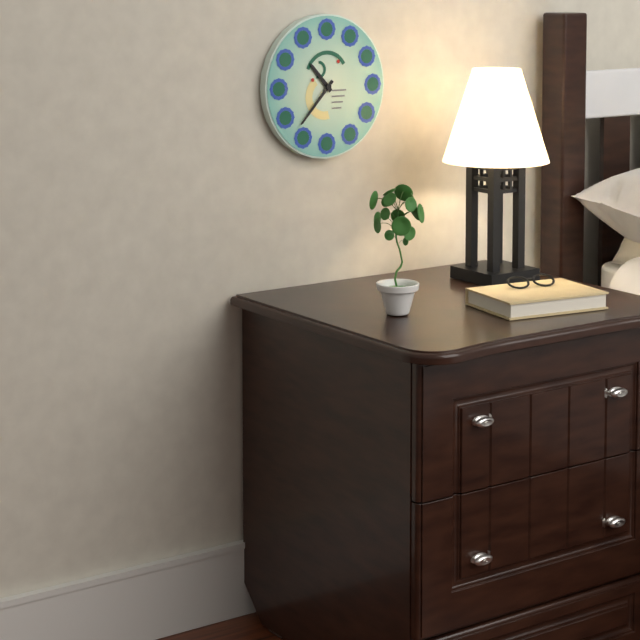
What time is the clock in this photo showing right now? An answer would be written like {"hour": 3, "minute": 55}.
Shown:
{"hour": 10, "minute": 37}
